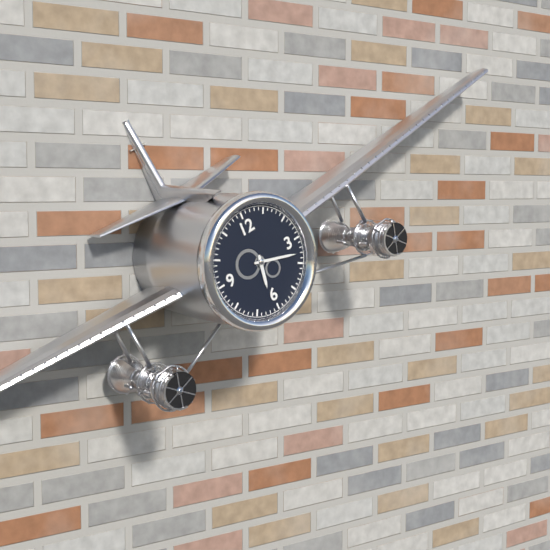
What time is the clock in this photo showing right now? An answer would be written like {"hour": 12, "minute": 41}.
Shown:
{"hour": 6, "minute": 18}
